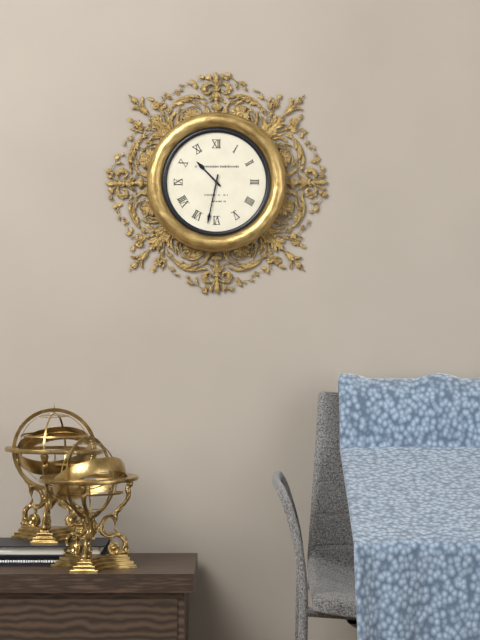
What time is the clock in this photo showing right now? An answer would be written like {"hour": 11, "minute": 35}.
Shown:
{"hour": 10, "minute": 32}
